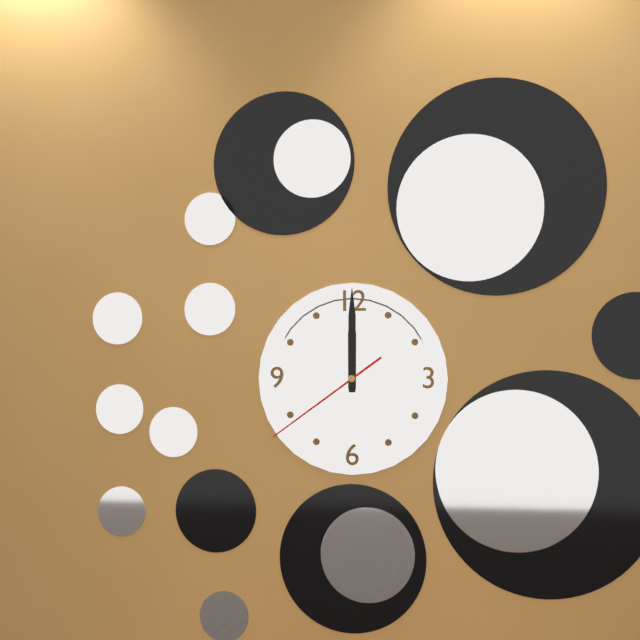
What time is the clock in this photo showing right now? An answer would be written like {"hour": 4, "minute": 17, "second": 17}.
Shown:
{"hour": 12, "minute": 0, "second": 39}
